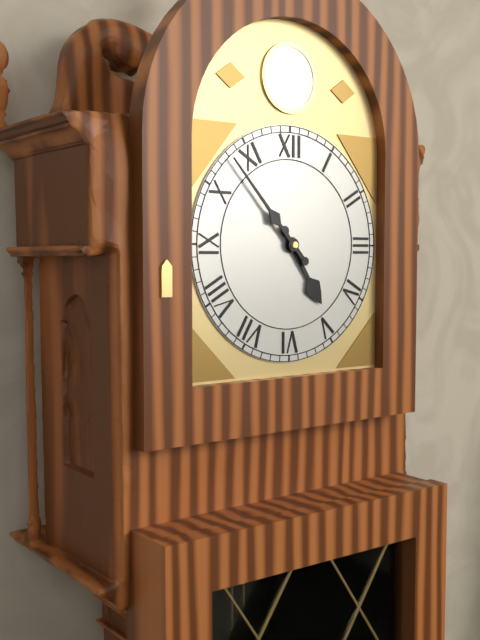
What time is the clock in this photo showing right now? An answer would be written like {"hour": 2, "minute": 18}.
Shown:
{"hour": 4, "minute": 53}
